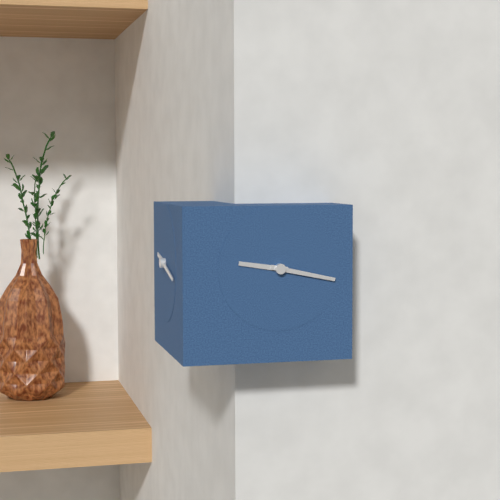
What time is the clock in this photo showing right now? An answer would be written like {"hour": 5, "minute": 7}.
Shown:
{"hour": 9, "minute": 17}
